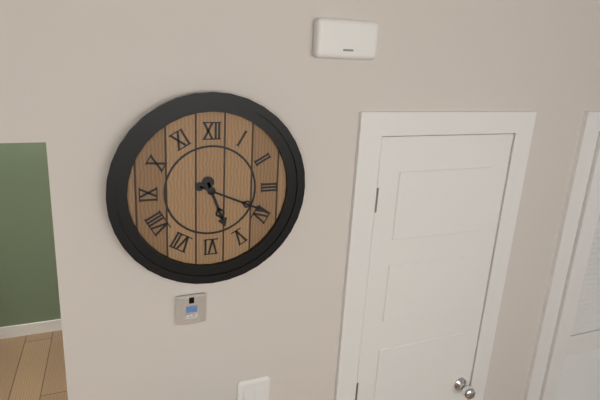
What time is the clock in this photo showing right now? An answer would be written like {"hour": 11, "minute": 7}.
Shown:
{"hour": 5, "minute": 19}
